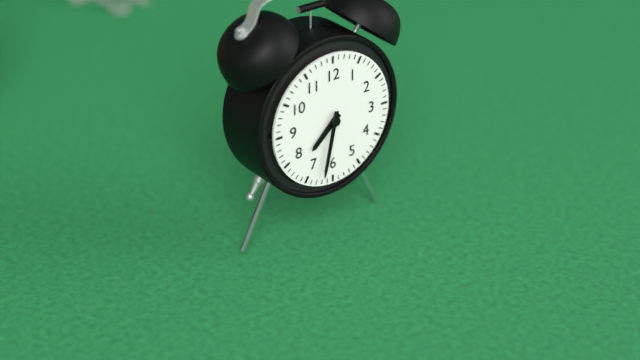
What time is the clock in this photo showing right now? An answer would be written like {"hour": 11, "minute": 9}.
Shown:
{"hour": 7, "minute": 32}
